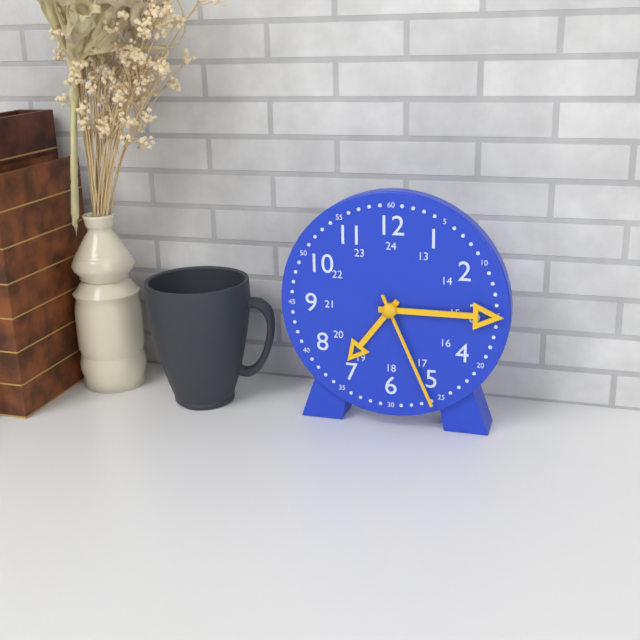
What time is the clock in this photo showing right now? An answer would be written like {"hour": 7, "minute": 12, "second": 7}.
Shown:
{"hour": 7, "minute": 15, "second": 26}
